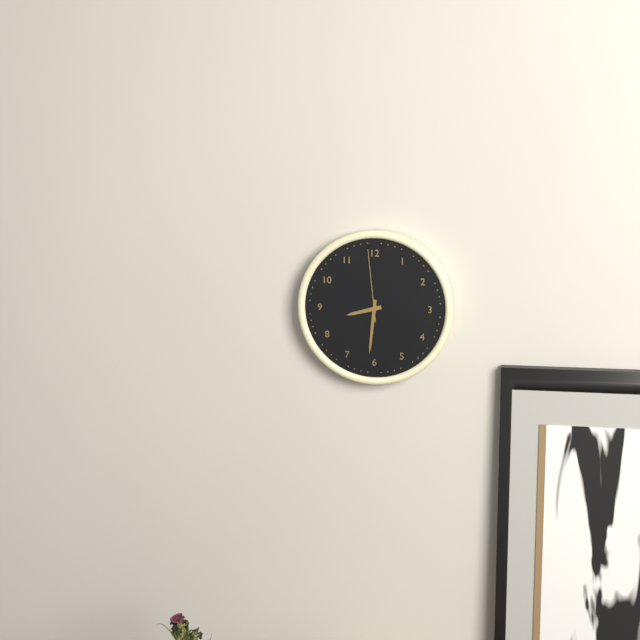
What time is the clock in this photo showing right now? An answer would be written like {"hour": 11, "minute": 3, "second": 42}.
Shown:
{"hour": 8, "minute": 31, "second": 59}
